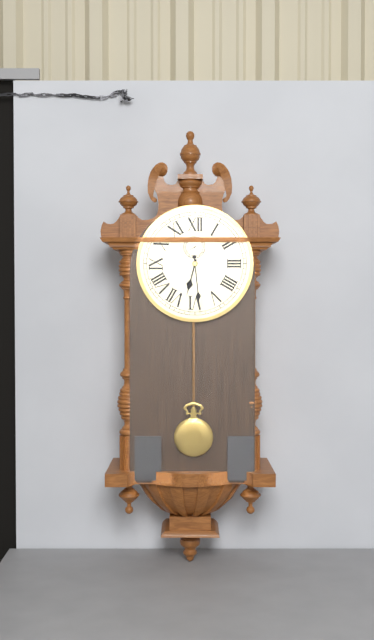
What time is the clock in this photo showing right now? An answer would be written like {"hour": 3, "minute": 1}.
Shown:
{"hour": 6, "minute": 29}
